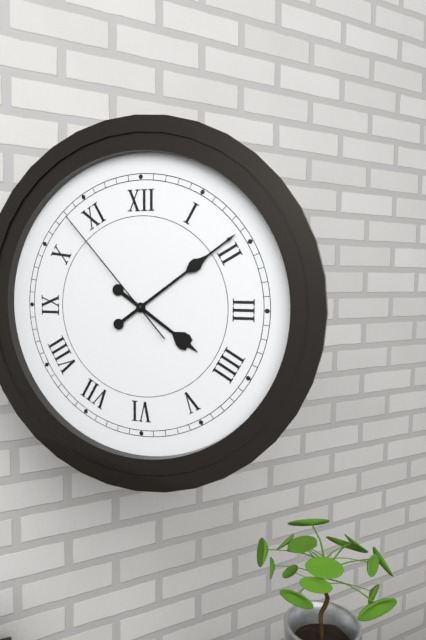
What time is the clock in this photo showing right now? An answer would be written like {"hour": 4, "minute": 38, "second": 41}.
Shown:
{"hour": 4, "minute": 9, "second": 53}
